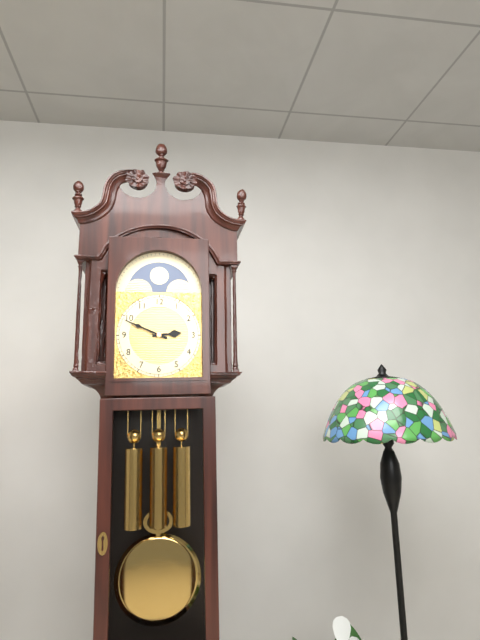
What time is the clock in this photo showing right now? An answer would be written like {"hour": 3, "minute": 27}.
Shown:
{"hour": 2, "minute": 49}
